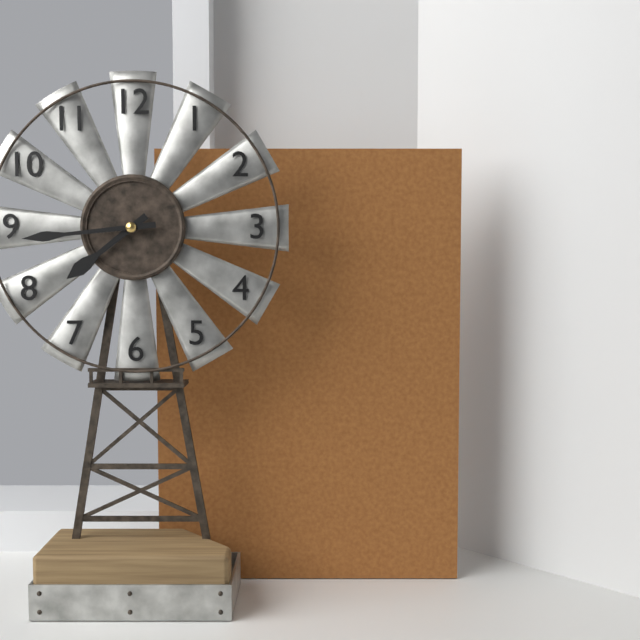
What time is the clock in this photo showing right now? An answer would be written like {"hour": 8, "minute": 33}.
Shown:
{"hour": 7, "minute": 44}
